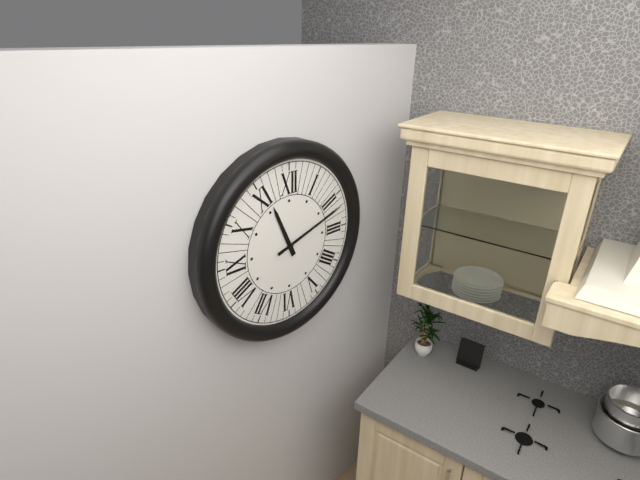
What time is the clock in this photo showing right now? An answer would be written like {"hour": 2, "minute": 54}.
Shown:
{"hour": 11, "minute": 12}
